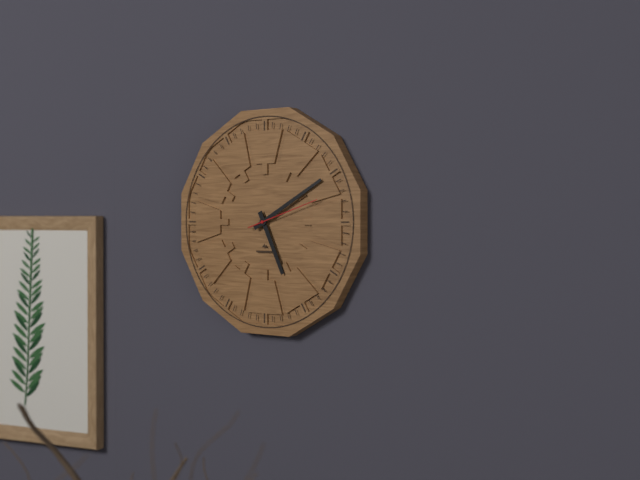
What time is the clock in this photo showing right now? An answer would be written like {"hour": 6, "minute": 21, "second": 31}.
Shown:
{"hour": 5, "minute": 10, "second": 12}
